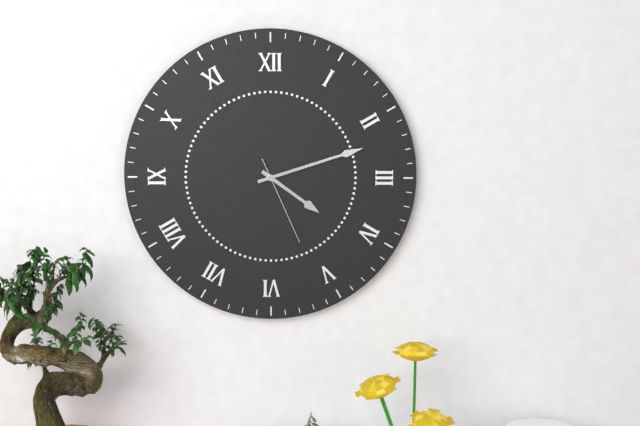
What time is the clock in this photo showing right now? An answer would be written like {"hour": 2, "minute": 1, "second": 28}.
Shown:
{"hour": 4, "minute": 12, "second": 26}
